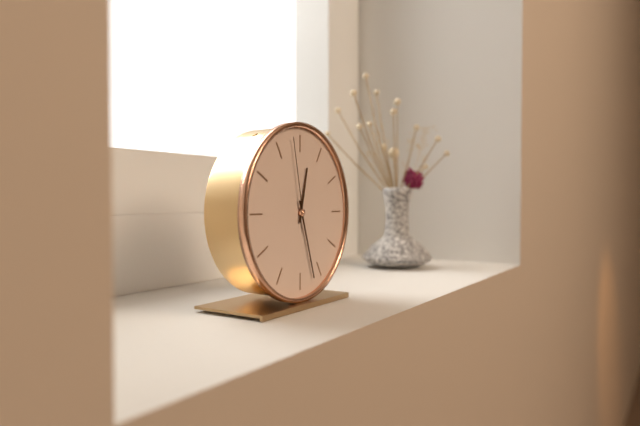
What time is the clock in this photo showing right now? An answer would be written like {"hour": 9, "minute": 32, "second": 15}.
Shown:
{"hour": 12, "minute": 27, "second": 58}
